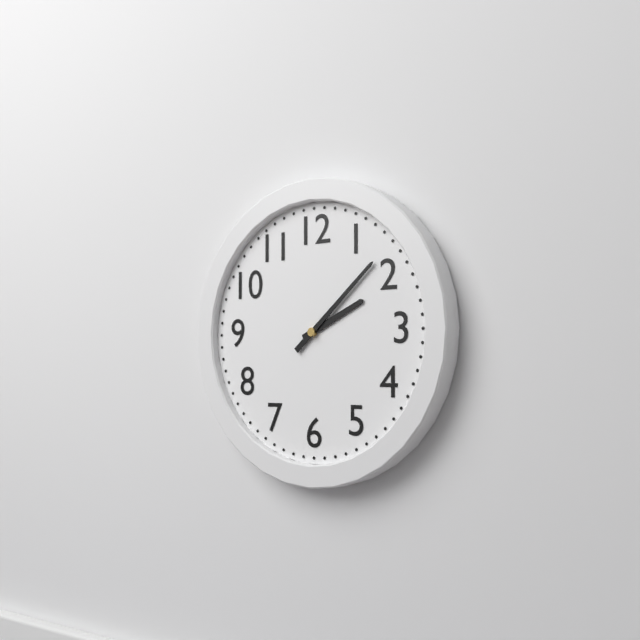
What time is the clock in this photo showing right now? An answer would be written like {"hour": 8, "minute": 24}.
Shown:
{"hour": 2, "minute": 8}
